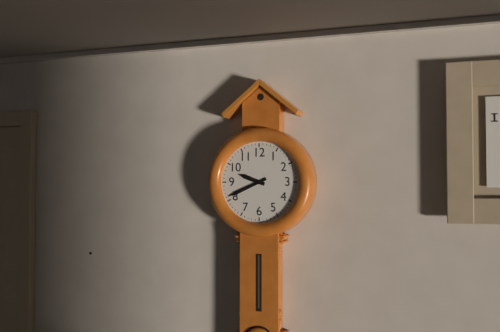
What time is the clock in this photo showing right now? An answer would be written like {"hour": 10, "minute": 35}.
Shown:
{"hour": 9, "minute": 41}
